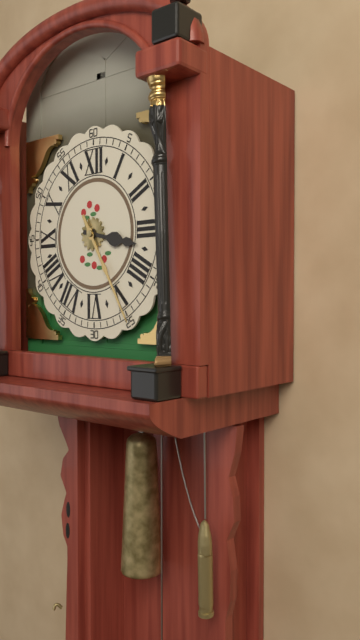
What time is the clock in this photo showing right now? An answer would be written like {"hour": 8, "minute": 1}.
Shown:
{"hour": 3, "minute": 25}
